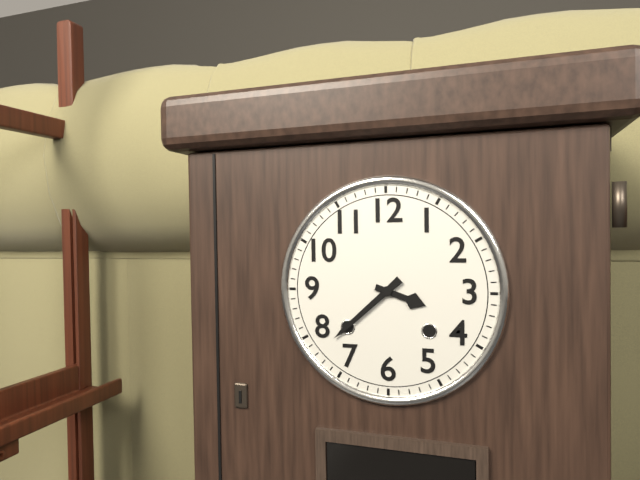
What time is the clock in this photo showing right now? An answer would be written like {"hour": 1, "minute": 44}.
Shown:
{"hour": 3, "minute": 38}
